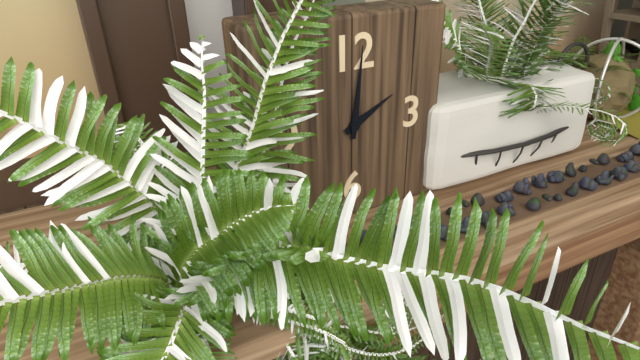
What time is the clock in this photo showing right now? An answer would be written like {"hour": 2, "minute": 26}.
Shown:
{"hour": 2, "minute": 1}
